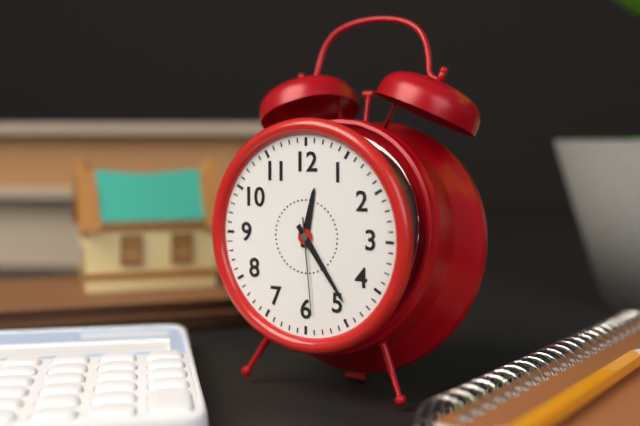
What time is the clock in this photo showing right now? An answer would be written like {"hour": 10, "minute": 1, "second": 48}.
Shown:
{"hour": 12, "minute": 24, "second": 29}
